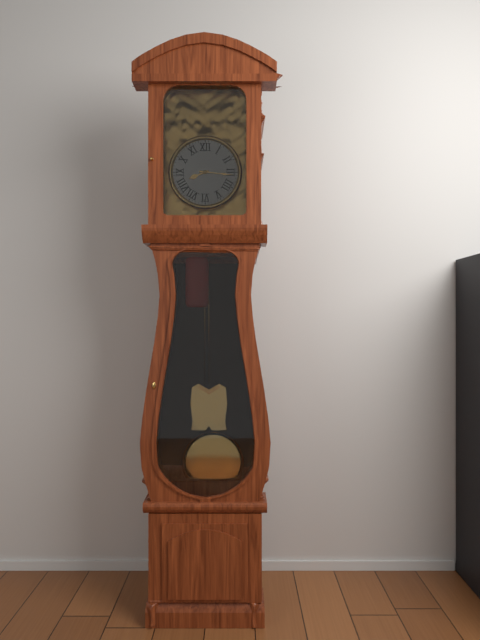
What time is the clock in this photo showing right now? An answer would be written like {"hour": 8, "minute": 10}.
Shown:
{"hour": 8, "minute": 16}
